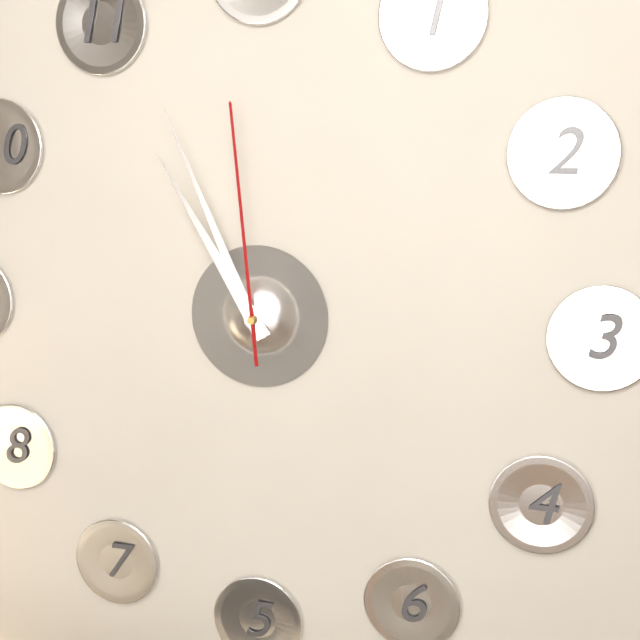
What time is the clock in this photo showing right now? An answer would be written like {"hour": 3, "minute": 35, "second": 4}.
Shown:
{"hour": 10, "minute": 56, "second": 59}
